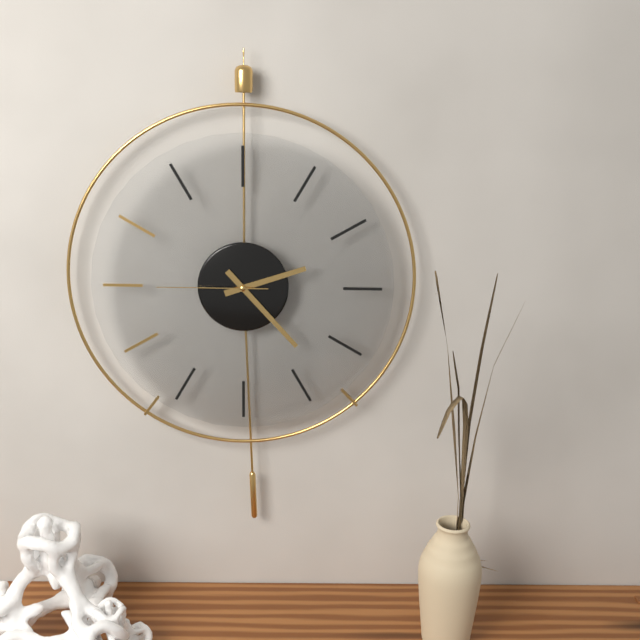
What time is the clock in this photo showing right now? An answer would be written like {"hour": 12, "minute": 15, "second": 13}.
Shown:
{"hour": 2, "minute": 23, "second": 45}
